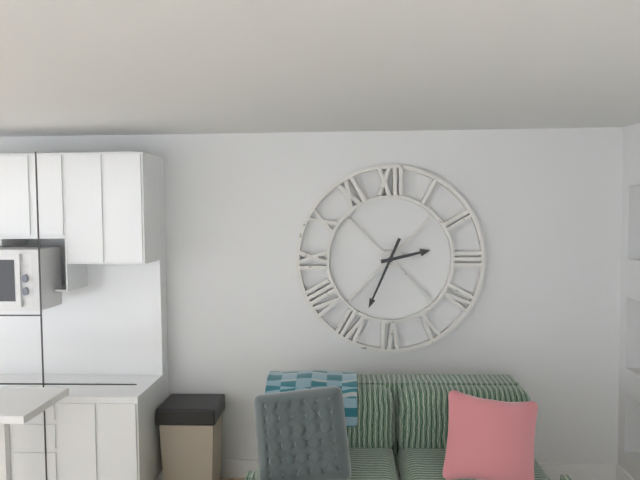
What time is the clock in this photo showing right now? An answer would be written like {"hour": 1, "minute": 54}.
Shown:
{"hour": 2, "minute": 34}
